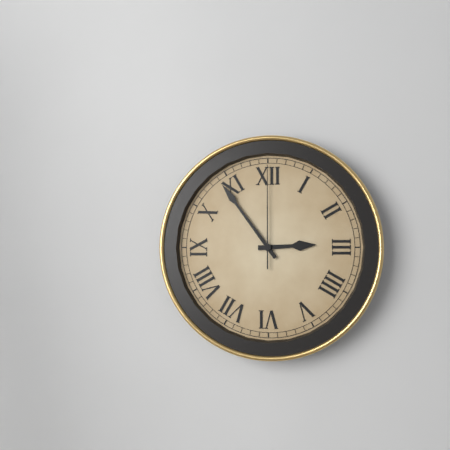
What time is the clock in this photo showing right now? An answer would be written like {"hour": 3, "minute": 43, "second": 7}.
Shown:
{"hour": 2, "minute": 54, "second": 0}
